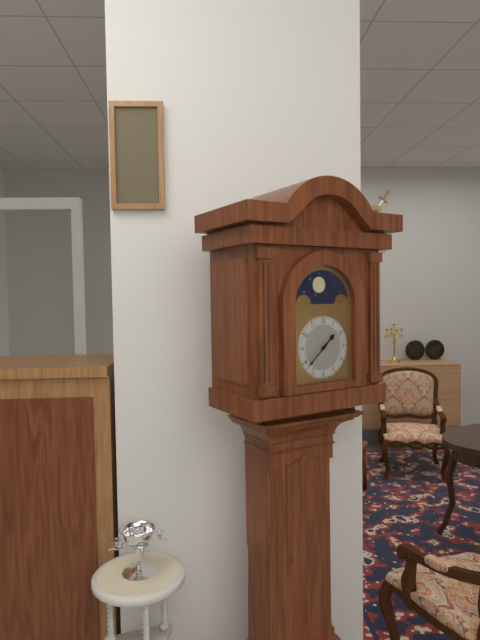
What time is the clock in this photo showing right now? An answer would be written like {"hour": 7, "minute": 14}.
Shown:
{"hour": 1, "minute": 38}
